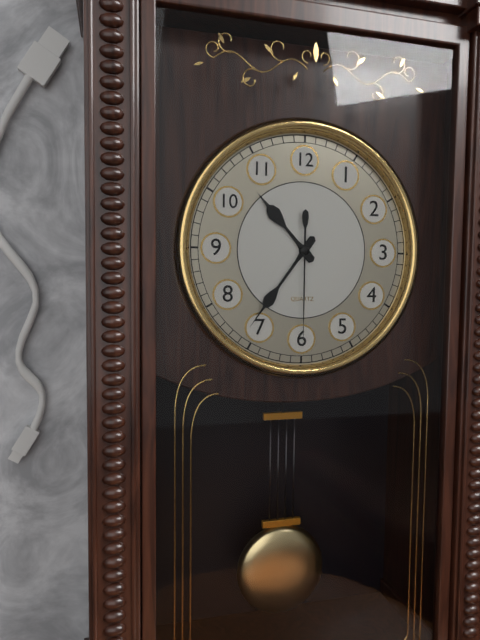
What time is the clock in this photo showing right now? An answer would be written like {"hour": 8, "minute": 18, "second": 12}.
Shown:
{"hour": 10, "minute": 36, "second": 30}
